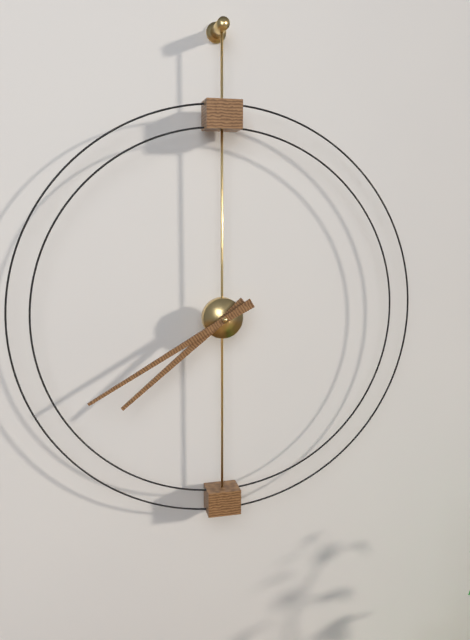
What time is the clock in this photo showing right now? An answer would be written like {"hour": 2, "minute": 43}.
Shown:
{"hour": 7, "minute": 40}
